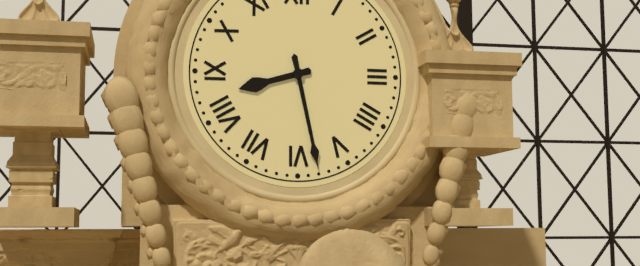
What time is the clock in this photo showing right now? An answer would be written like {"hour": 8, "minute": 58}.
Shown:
{"hour": 8, "minute": 28}
